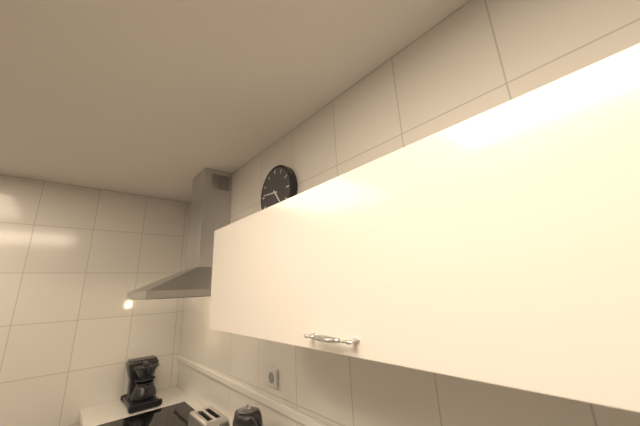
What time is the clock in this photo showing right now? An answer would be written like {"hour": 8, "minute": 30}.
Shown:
{"hour": 4, "minute": 46}
